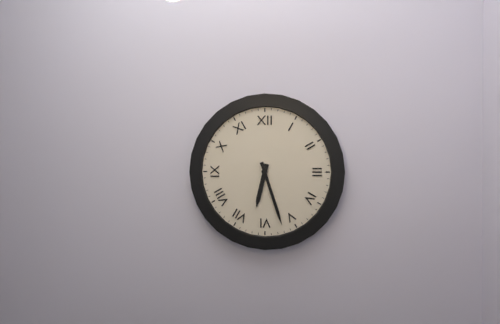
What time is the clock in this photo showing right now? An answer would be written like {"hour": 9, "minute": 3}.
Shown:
{"hour": 6, "minute": 27}
